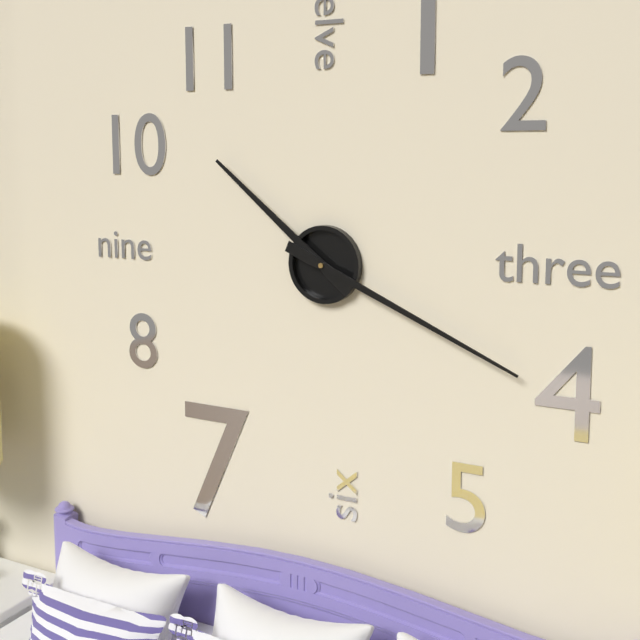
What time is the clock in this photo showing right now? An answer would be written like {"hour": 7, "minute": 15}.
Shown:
{"hour": 10, "minute": 19}
